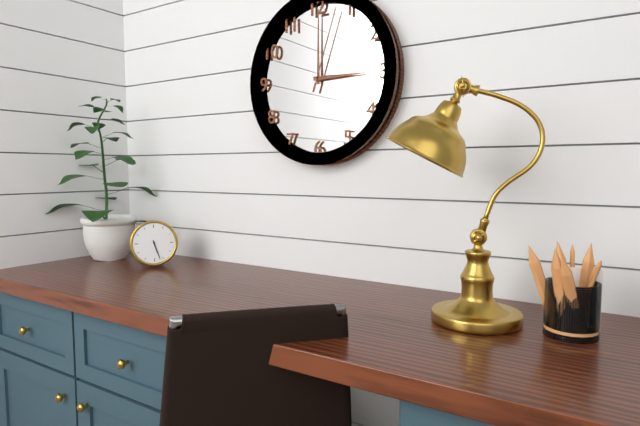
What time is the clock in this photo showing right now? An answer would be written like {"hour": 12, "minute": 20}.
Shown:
{"hour": 5, "minute": 27}
